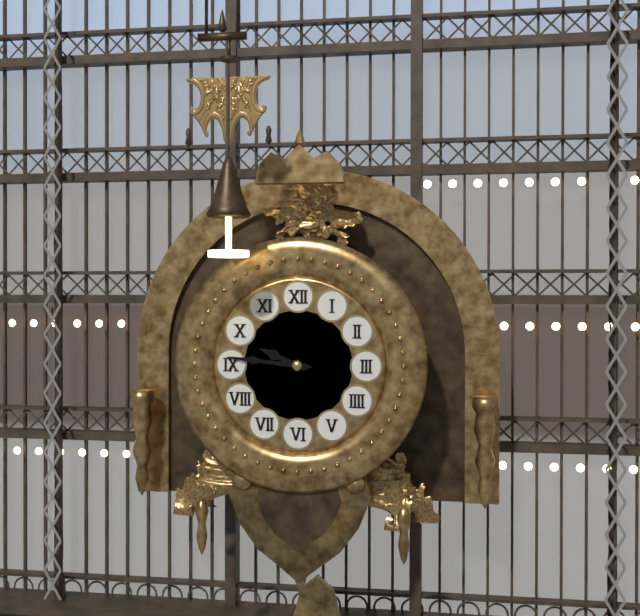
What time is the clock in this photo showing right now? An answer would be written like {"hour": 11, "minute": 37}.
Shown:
{"hour": 9, "minute": 46}
